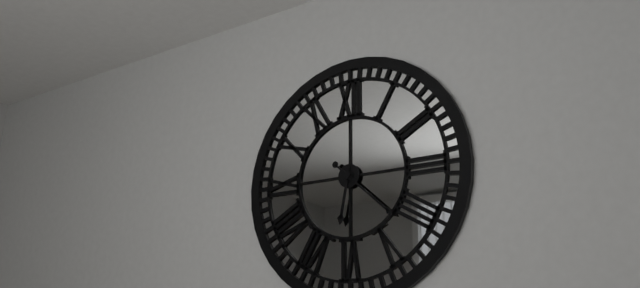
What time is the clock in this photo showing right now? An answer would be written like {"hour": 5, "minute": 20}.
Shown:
{"hour": 6, "minute": 22}
